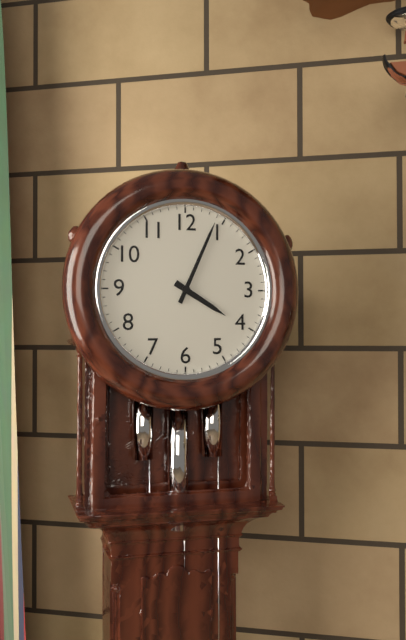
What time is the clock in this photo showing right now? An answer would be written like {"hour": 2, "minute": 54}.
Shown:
{"hour": 4, "minute": 4}
